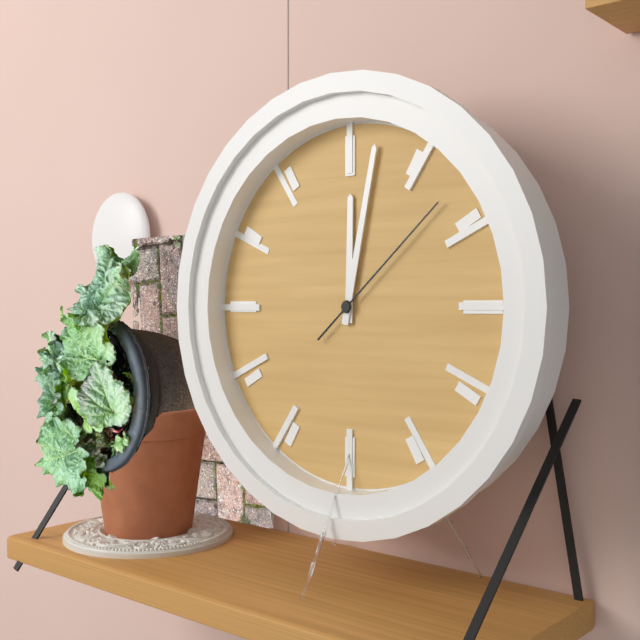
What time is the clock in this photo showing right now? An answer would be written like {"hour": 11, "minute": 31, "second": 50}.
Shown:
{"hour": 12, "minute": 2, "second": 8}
